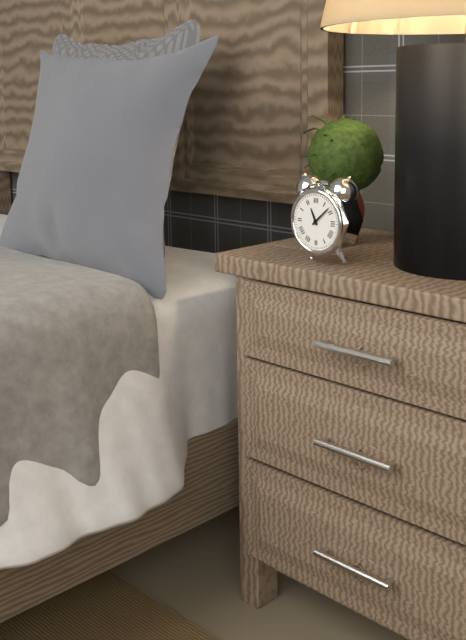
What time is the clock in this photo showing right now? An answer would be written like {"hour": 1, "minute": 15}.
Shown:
{"hour": 11, "minute": 8}
